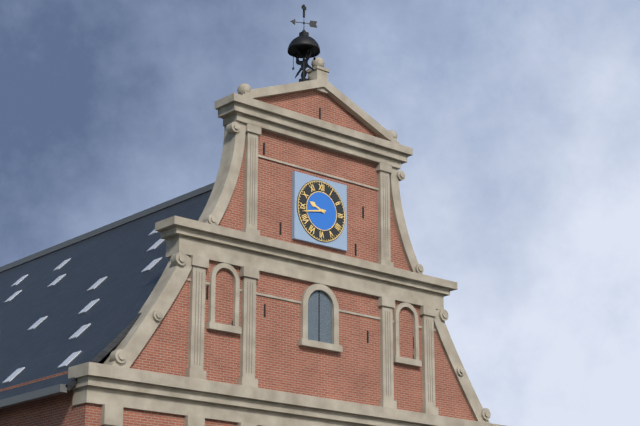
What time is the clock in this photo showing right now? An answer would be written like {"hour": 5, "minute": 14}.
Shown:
{"hour": 9, "minute": 43}
